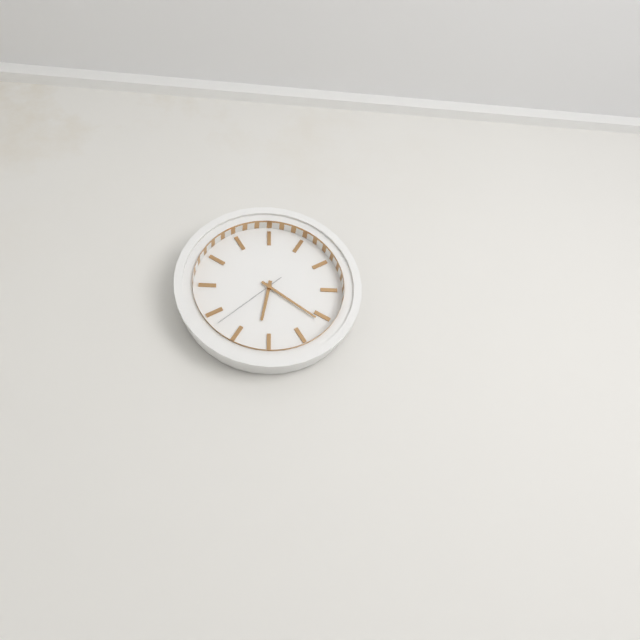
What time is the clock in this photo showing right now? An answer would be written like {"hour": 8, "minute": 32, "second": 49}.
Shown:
{"hour": 6, "minute": 21, "second": 38}
